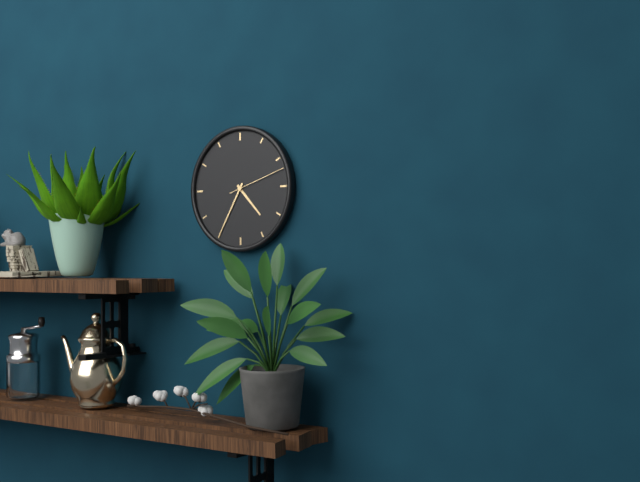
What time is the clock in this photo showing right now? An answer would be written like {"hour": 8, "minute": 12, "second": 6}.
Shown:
{"hour": 4, "minute": 35, "second": 12}
